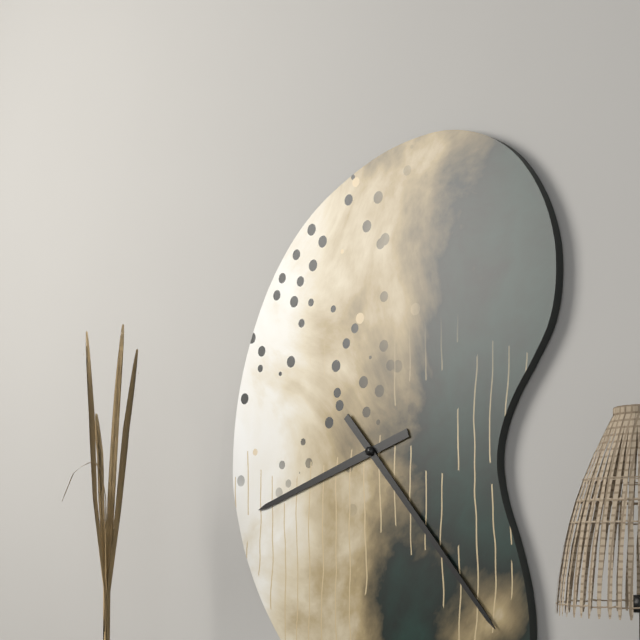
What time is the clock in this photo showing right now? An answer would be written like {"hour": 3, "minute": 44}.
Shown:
{"hour": 8, "minute": 23}
